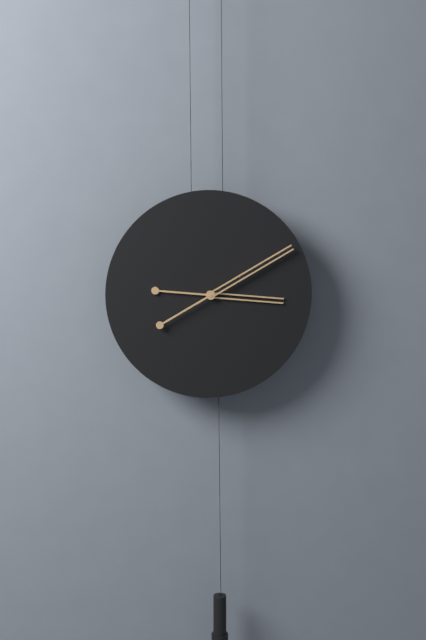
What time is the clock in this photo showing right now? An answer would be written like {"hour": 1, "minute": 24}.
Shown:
{"hour": 3, "minute": 10}
